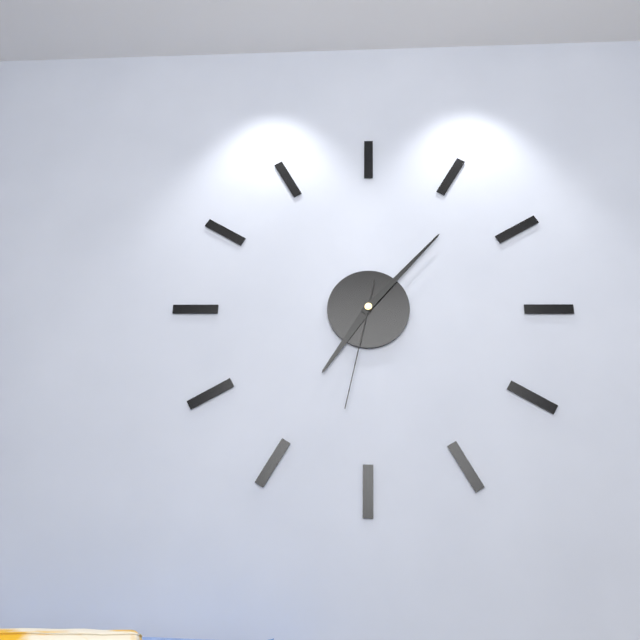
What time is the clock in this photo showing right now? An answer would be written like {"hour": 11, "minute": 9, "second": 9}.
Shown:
{"hour": 7, "minute": 7, "second": 32}
